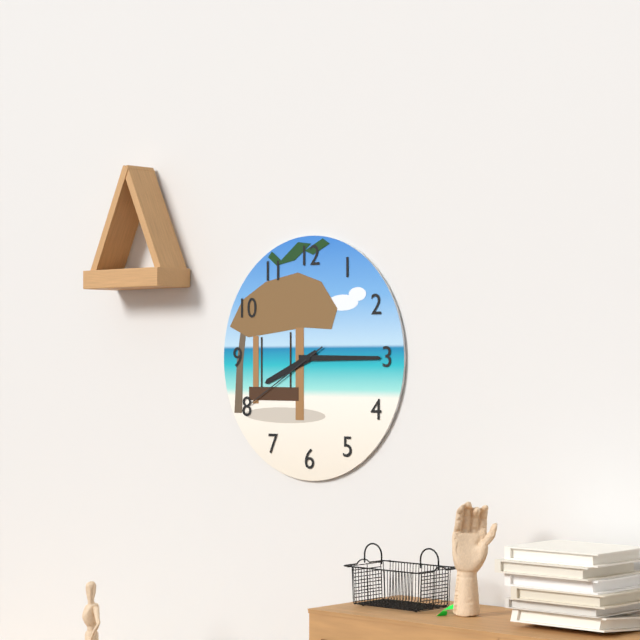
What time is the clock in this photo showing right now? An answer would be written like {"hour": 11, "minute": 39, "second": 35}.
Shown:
{"hour": 8, "minute": 15, "second": 40}
